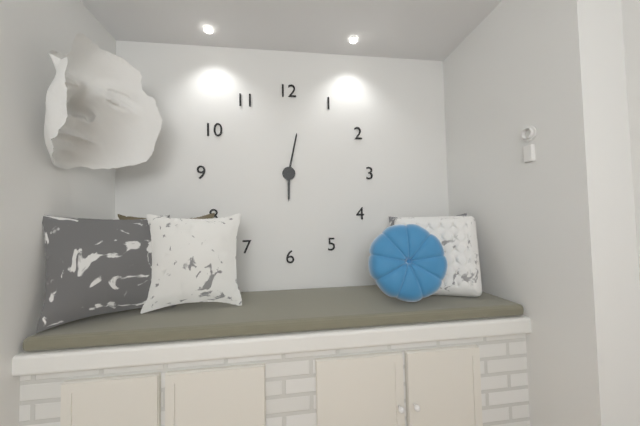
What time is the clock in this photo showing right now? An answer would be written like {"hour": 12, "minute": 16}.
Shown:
{"hour": 6, "minute": 2}
